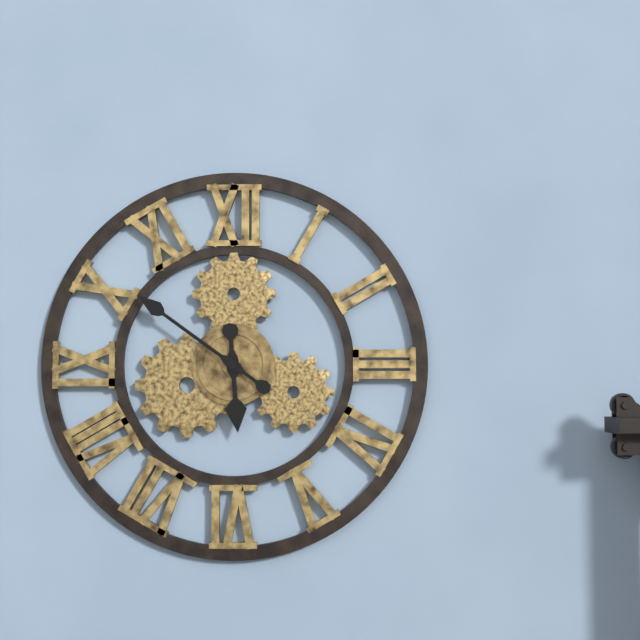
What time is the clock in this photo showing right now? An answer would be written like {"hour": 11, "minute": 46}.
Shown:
{"hour": 5, "minute": 51}
